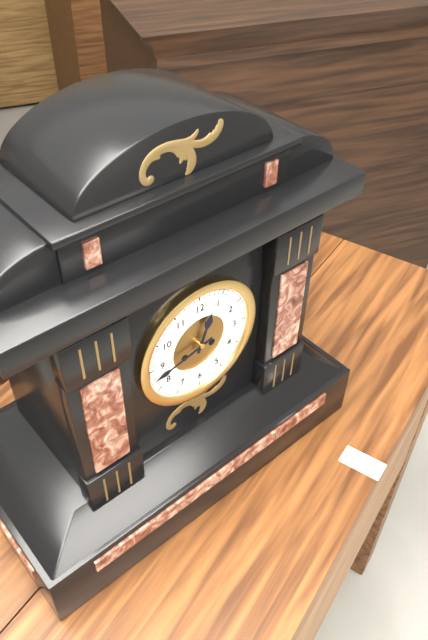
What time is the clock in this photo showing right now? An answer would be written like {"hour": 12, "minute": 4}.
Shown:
{"hour": 12, "minute": 43}
